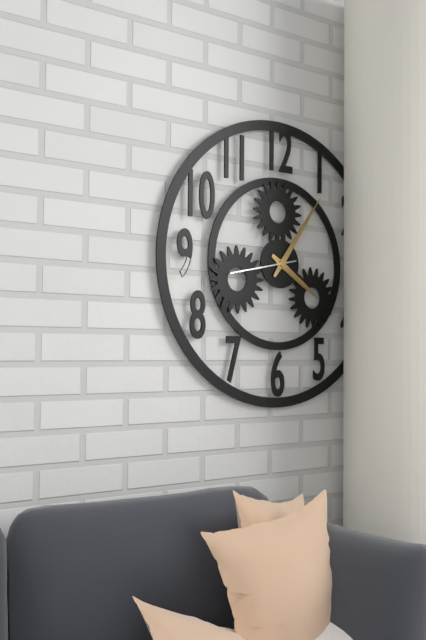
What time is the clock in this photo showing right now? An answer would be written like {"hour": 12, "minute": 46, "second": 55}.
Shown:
{"hour": 4, "minute": 6, "second": 43}
